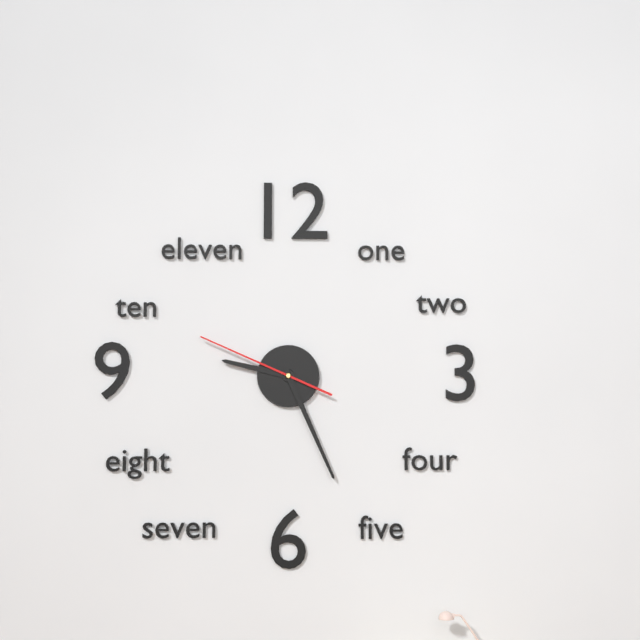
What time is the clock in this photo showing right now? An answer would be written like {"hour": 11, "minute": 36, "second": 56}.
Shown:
{"hour": 9, "minute": 26, "second": 49}
